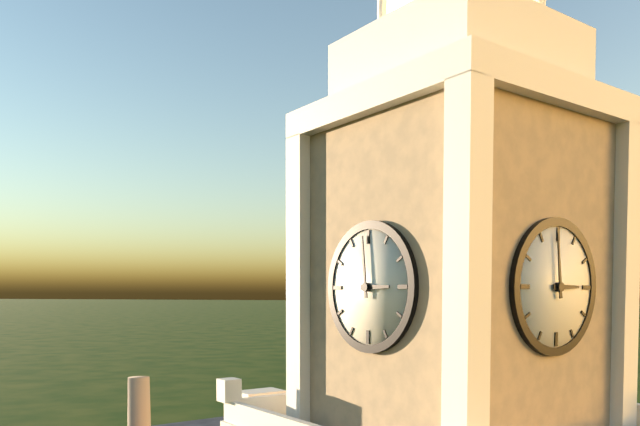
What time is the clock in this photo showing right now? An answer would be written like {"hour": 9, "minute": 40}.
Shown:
{"hour": 2, "minute": 59}
